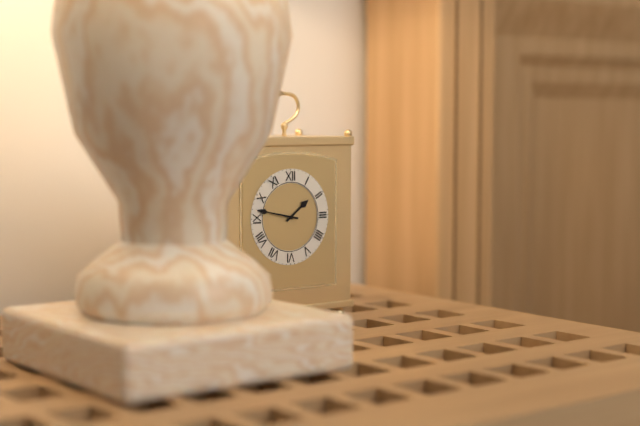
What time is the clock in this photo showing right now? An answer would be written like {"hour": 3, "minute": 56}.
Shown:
{"hour": 1, "minute": 47}
